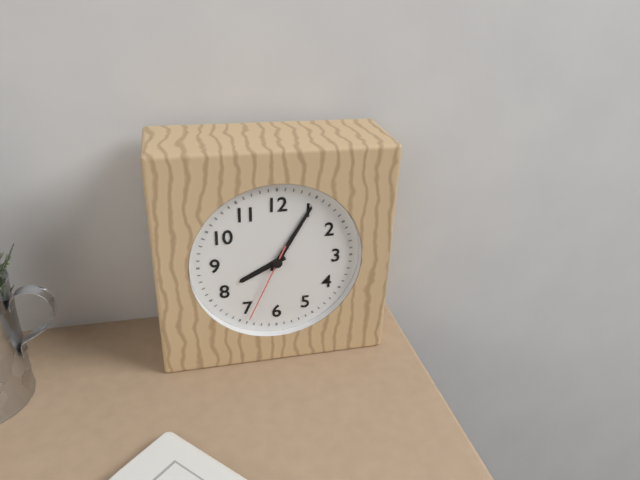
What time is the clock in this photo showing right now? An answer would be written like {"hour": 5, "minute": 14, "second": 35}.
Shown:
{"hour": 8, "minute": 5, "second": 34}
